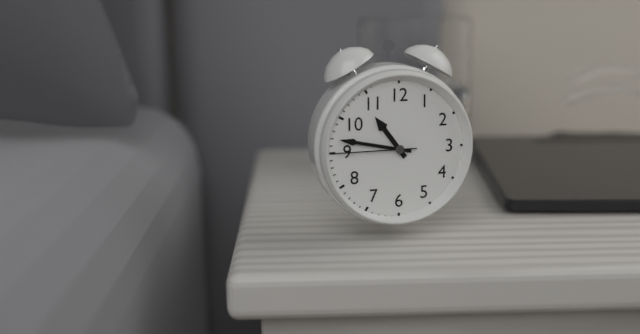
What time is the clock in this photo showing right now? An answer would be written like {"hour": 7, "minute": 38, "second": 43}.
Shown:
{"hour": 10, "minute": 47, "second": 45}
